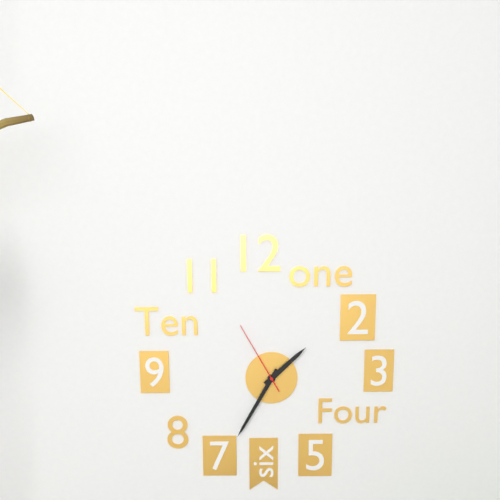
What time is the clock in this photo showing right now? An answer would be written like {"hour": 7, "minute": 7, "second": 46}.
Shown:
{"hour": 1, "minute": 35, "second": 55}
